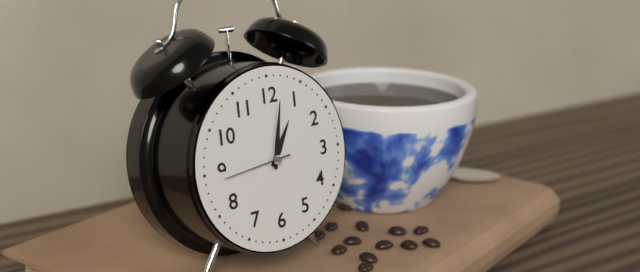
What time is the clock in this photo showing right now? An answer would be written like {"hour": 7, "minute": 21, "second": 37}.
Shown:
{"hour": 1, "minute": 2, "second": 44}
